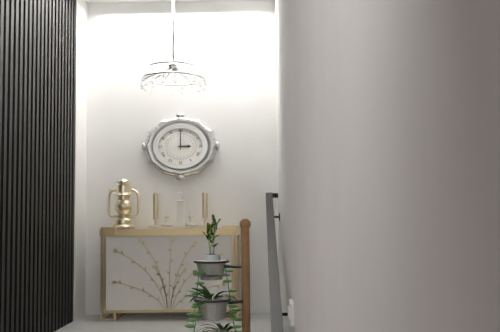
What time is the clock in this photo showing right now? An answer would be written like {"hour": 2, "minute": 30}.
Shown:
{"hour": 3, "minute": 0}
